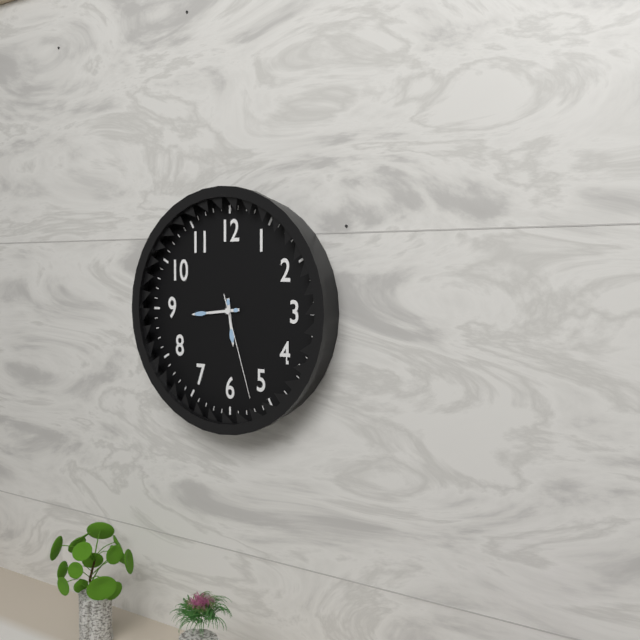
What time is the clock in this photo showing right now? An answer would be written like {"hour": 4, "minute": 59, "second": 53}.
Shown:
{"hour": 5, "minute": 44, "second": 27}
